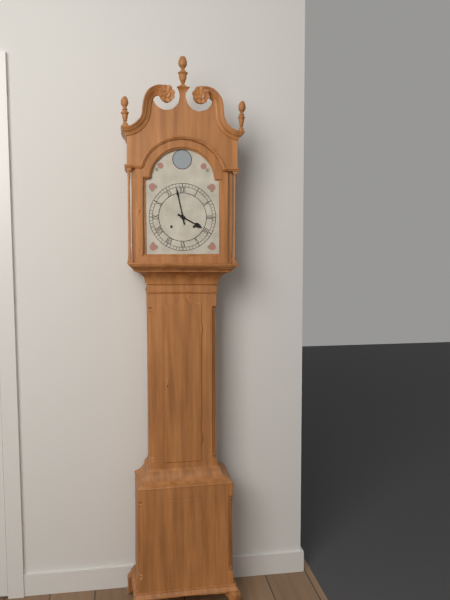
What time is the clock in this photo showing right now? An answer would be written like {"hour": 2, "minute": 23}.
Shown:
{"hour": 3, "minute": 58}
